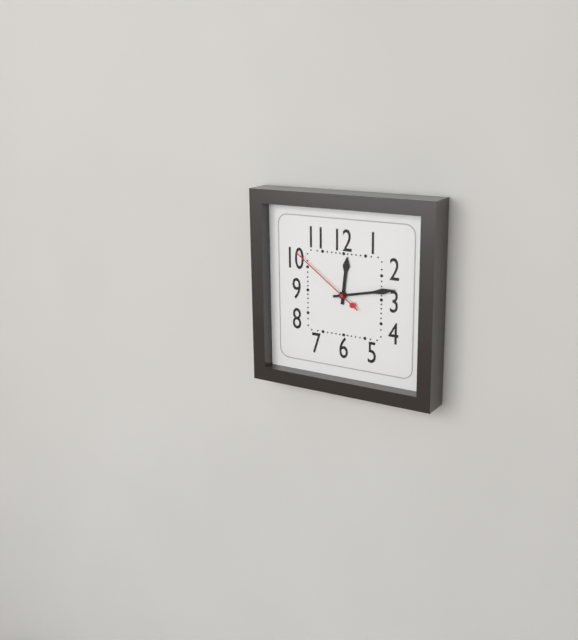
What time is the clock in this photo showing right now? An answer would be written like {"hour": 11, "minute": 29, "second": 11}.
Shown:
{"hour": 12, "minute": 13, "second": 51}
